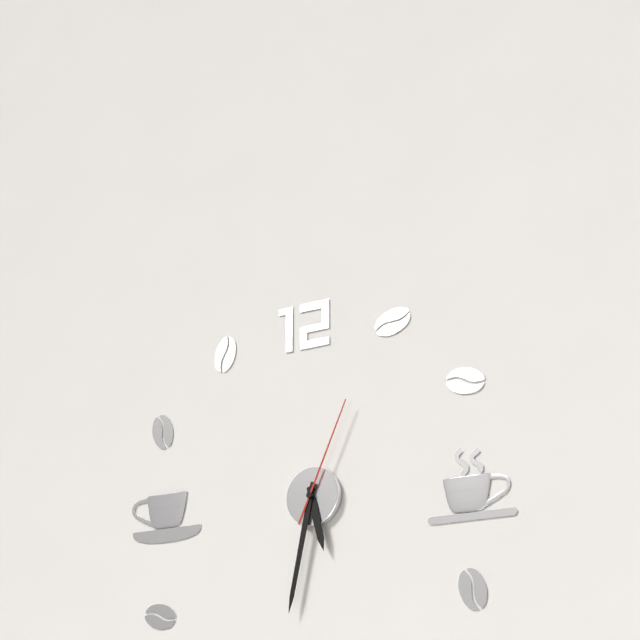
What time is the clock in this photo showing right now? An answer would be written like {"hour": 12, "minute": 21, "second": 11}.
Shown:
{"hour": 5, "minute": 32, "second": 4}
